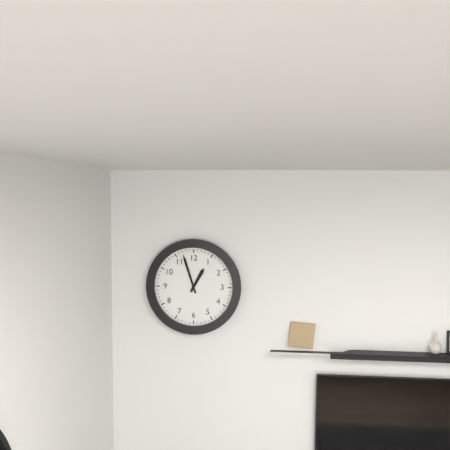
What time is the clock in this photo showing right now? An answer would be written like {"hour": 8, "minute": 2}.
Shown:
{"hour": 12, "minute": 57}
